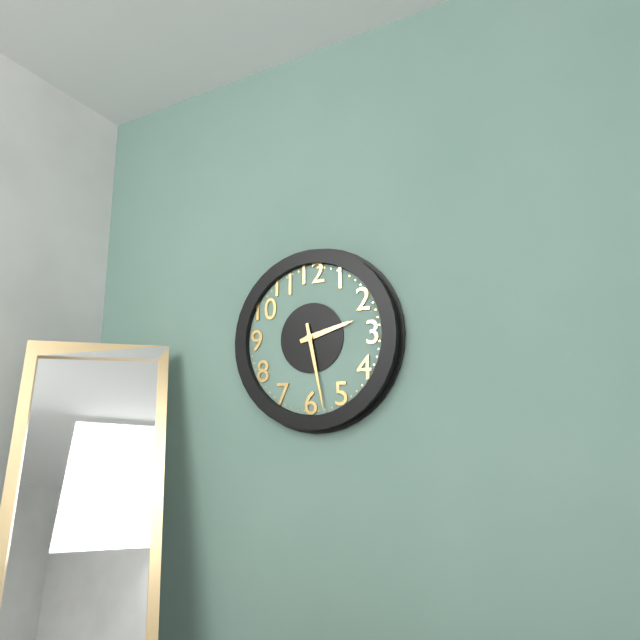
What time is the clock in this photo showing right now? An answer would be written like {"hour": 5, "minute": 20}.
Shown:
{"hour": 2, "minute": 28}
